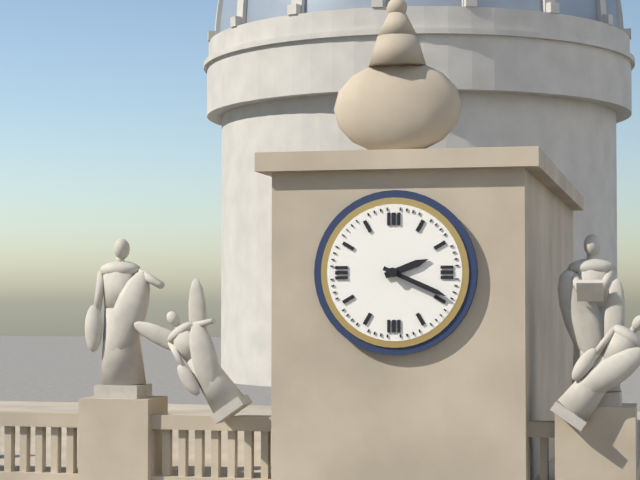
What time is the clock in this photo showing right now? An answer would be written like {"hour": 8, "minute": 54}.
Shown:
{"hour": 2, "minute": 19}
